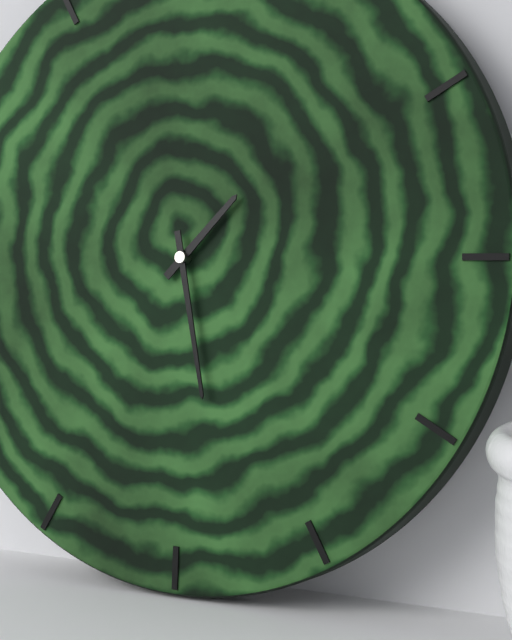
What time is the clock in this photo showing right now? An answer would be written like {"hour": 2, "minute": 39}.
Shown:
{"hour": 1, "minute": 28}
